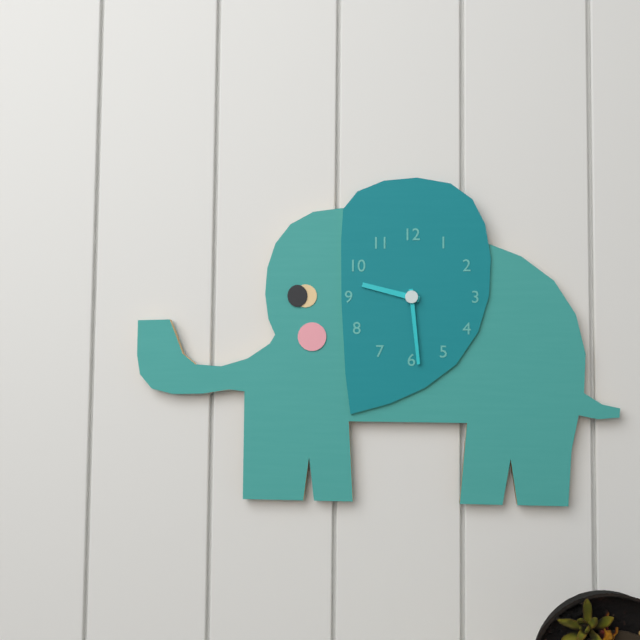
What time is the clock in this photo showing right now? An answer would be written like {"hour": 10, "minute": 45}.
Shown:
{"hour": 9, "minute": 29}
